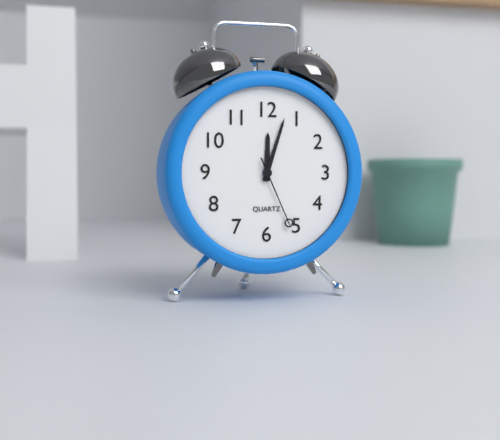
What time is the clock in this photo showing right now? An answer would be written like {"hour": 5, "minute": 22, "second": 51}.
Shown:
{"hour": 12, "minute": 3, "second": 26}
